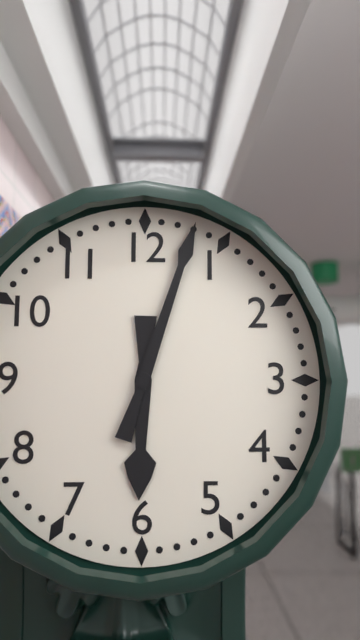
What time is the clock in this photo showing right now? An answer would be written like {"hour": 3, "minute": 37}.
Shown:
{"hour": 6, "minute": 3}
